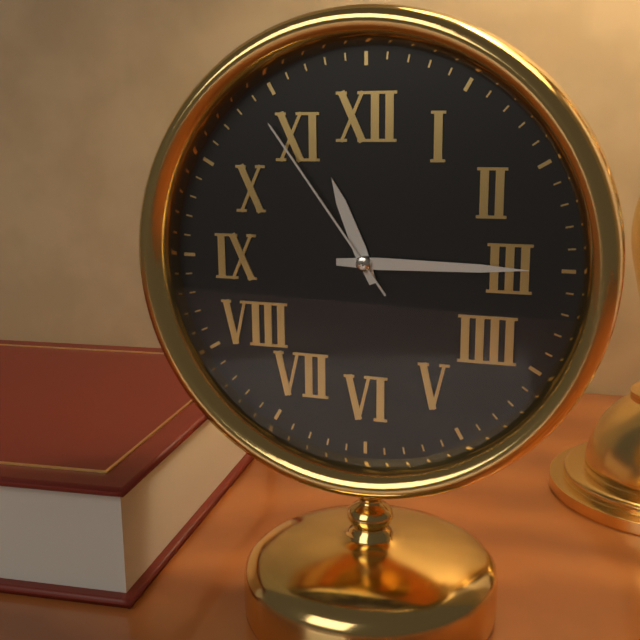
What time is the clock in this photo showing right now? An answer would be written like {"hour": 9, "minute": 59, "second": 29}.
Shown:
{"hour": 11, "minute": 15, "second": 54}
